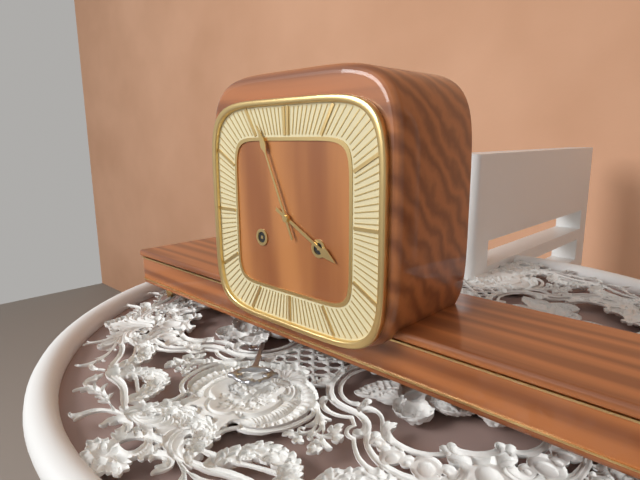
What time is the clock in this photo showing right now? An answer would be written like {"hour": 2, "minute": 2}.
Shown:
{"hour": 3, "minute": 56}
